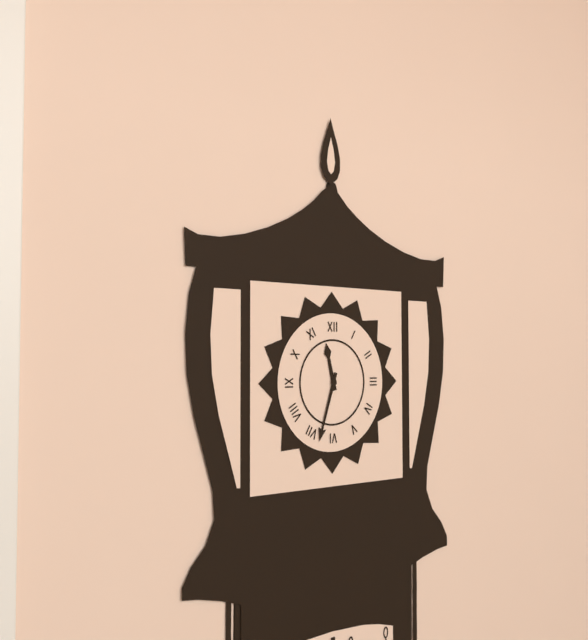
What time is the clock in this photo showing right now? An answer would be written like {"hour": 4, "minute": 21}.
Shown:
{"hour": 11, "minute": 33}
